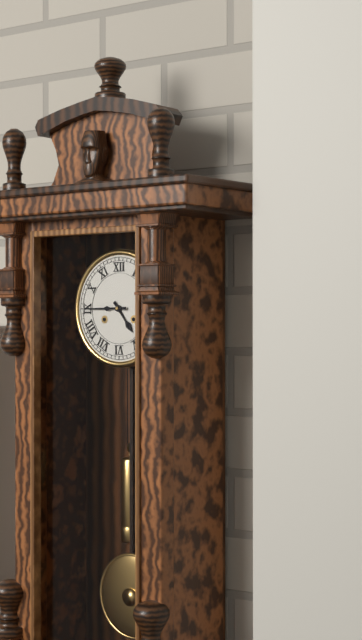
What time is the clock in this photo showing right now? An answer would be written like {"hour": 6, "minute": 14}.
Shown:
{"hour": 4, "minute": 45}
